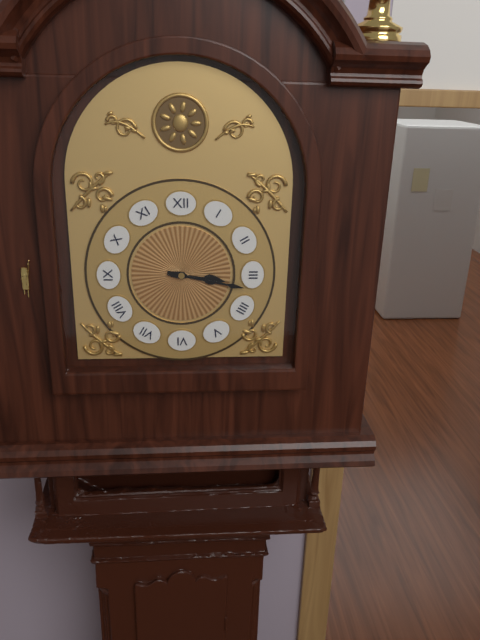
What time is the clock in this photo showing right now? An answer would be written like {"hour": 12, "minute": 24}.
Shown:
{"hour": 3, "minute": 17}
